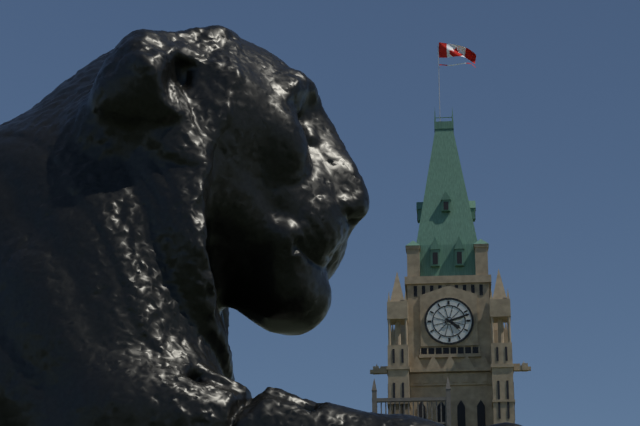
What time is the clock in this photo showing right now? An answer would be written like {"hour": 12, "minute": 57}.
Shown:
{"hour": 4, "minute": 12}
